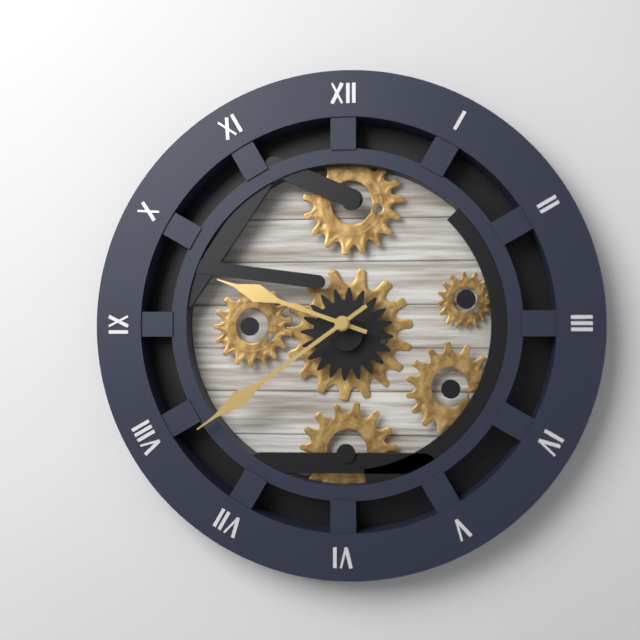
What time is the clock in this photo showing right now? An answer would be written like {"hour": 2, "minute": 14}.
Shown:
{"hour": 9, "minute": 39}
